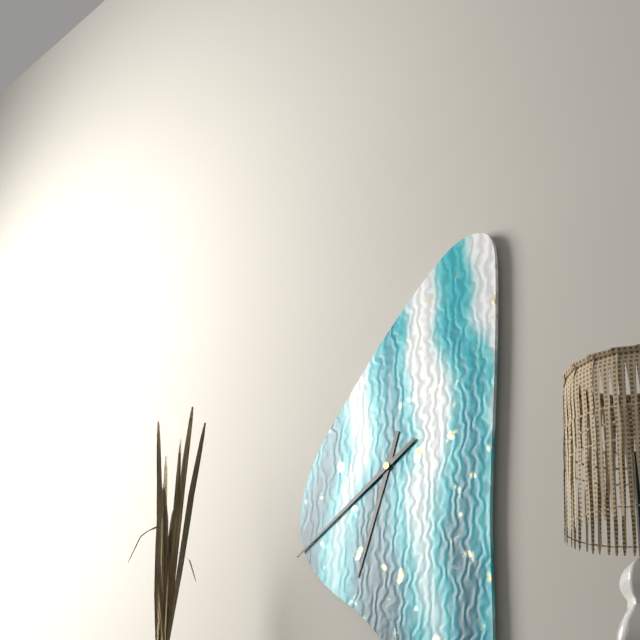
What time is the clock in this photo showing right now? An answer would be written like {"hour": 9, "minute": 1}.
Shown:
{"hour": 6, "minute": 40}
